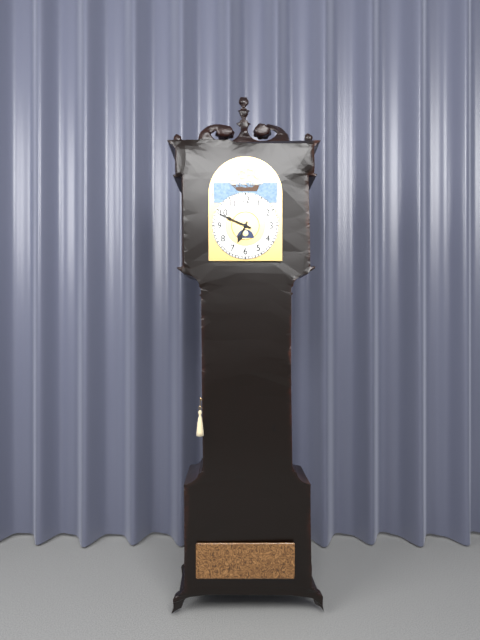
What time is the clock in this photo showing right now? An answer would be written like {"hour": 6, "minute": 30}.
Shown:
{"hour": 6, "minute": 49}
